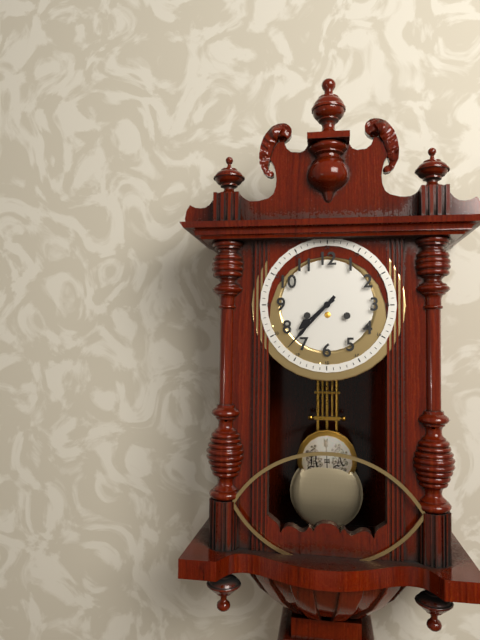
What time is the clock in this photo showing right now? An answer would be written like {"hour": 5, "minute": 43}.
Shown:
{"hour": 7, "minute": 37}
